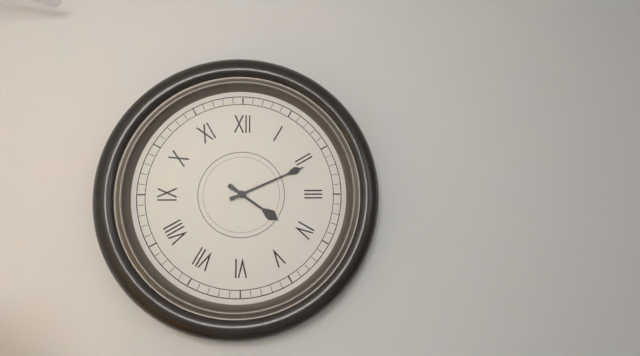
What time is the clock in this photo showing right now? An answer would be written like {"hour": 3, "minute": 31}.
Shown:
{"hour": 4, "minute": 11}
